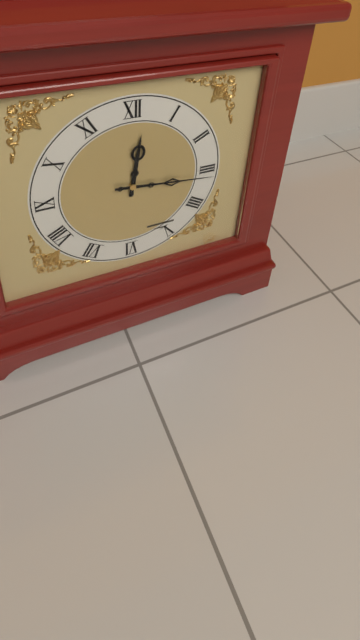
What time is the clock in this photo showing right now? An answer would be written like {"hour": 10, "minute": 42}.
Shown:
{"hour": 12, "minute": 16}
